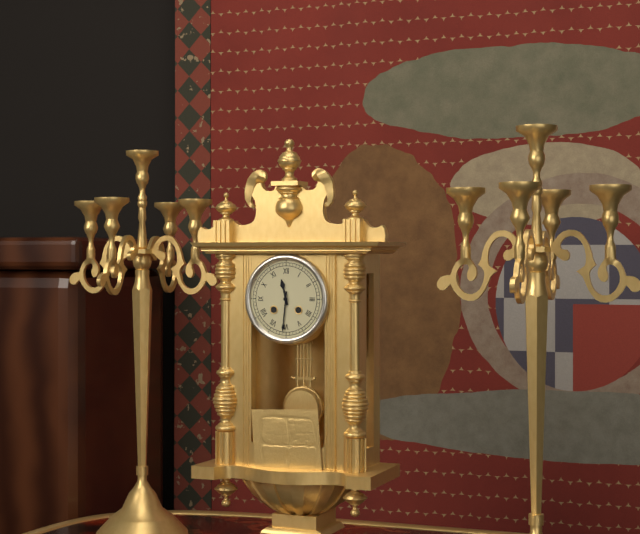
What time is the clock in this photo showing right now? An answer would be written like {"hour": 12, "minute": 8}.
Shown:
{"hour": 11, "minute": 31}
